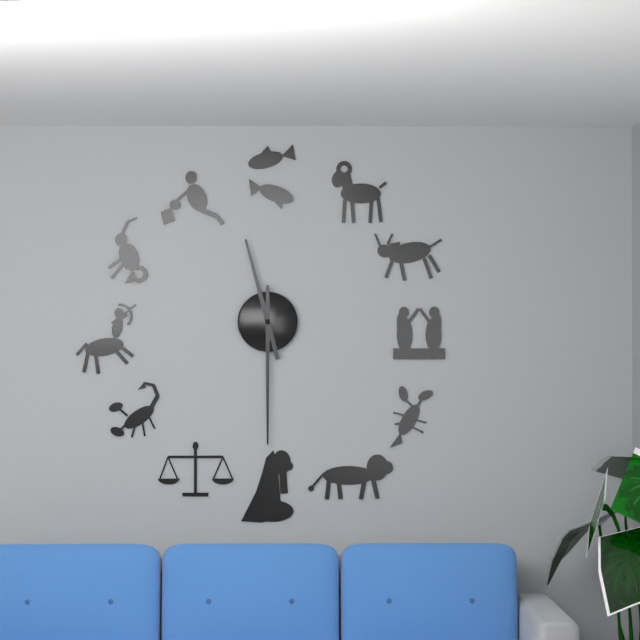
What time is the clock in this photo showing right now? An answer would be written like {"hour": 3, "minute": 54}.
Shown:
{"hour": 11, "minute": 30}
